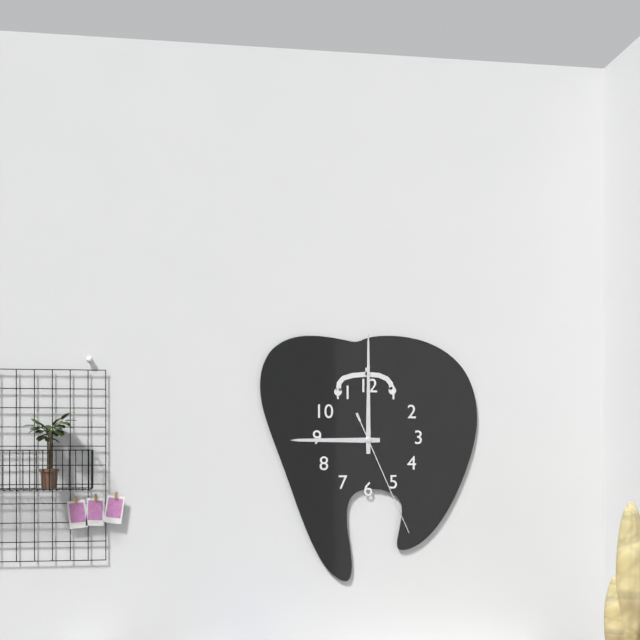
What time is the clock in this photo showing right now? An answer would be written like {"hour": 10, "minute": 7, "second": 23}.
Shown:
{"hour": 9, "minute": 0, "second": 26}
